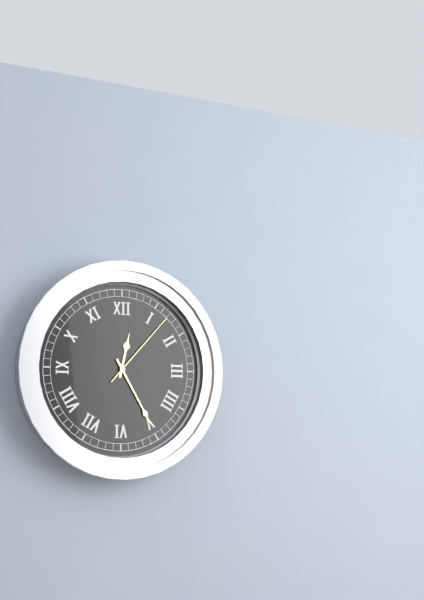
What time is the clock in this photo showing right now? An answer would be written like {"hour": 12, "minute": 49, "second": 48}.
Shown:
{"hour": 12, "minute": 25, "second": 7}
